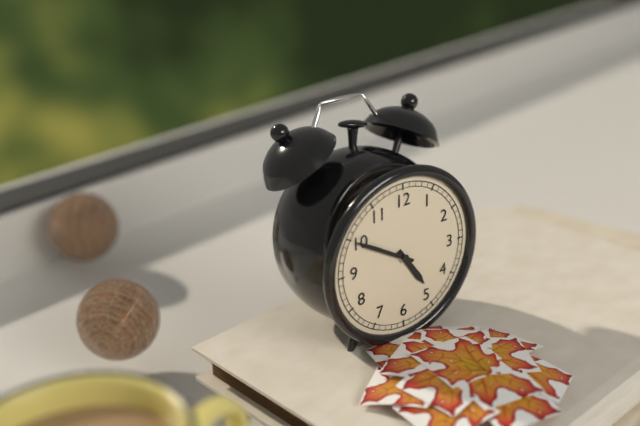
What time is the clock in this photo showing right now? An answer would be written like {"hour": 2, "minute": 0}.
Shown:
{"hour": 4, "minute": 50}
